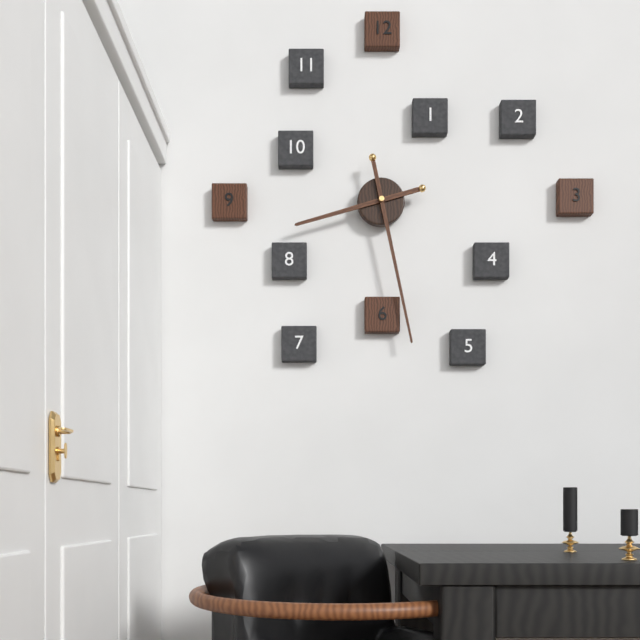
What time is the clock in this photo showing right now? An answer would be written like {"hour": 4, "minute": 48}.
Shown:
{"hour": 8, "minute": 28}
